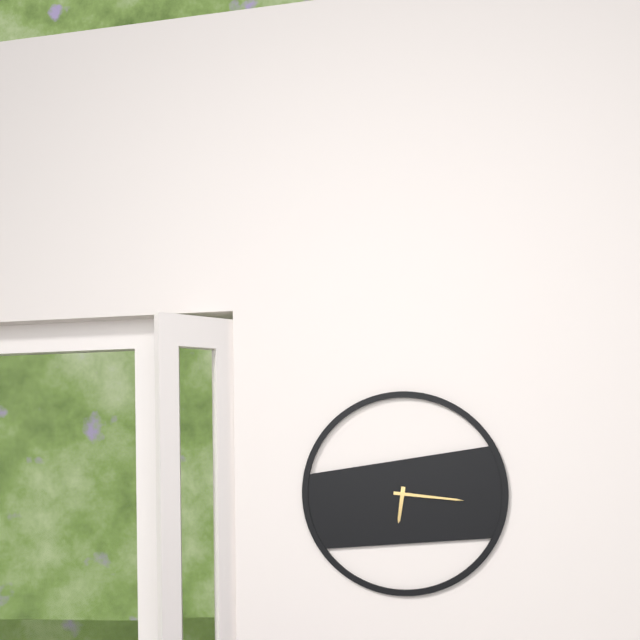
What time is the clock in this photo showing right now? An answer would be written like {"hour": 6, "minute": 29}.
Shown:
{"hour": 6, "minute": 16}
